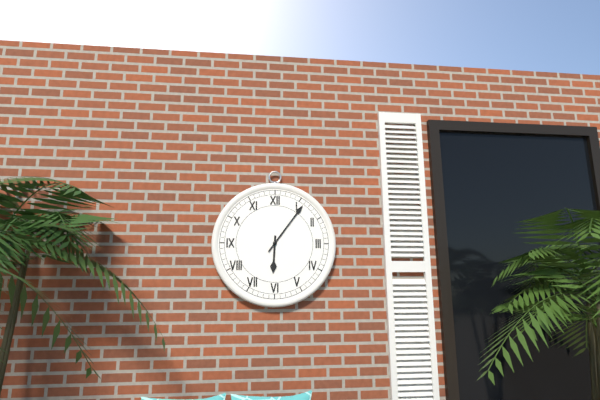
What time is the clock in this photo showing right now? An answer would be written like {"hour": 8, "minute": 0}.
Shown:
{"hour": 6, "minute": 6}
